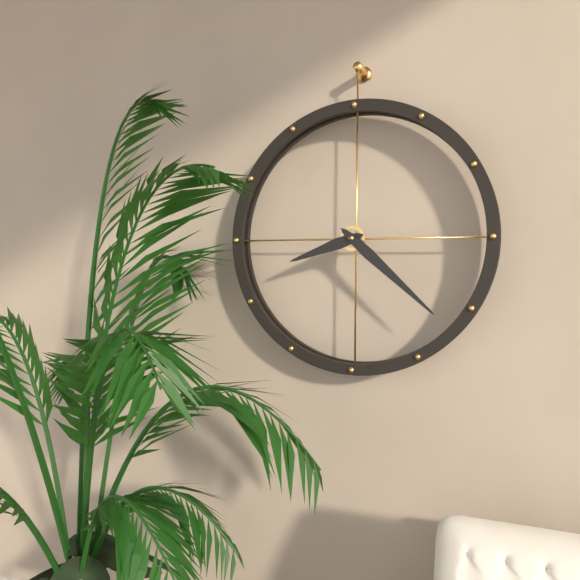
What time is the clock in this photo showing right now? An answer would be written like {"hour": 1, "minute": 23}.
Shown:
{"hour": 8, "minute": 22}
